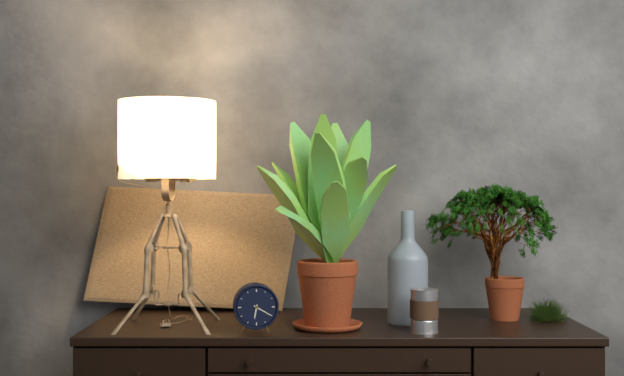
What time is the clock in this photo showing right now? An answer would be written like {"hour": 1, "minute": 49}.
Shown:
{"hour": 6, "minute": 20}
